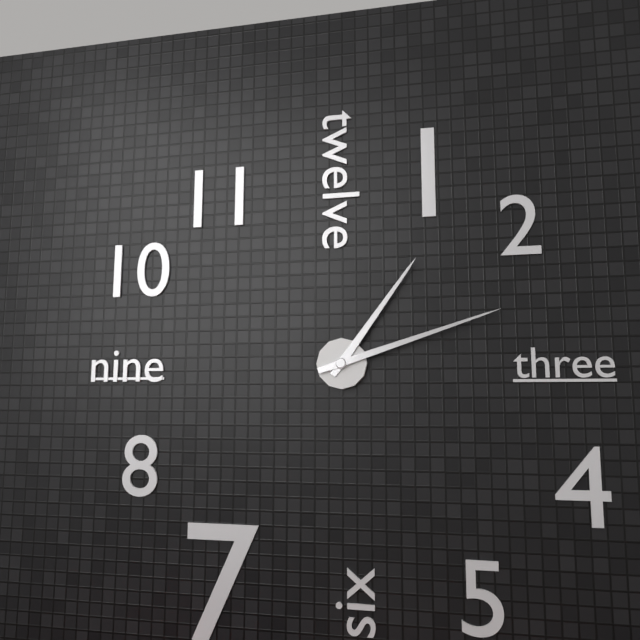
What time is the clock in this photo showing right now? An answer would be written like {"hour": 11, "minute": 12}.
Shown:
{"hour": 1, "minute": 12}
